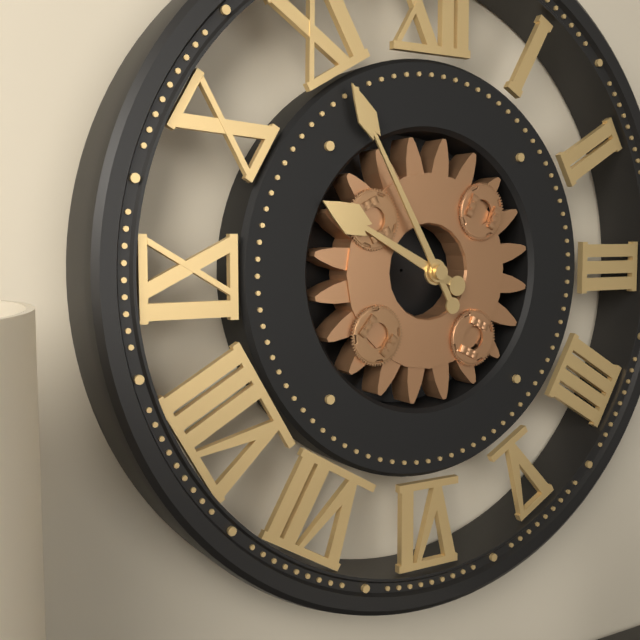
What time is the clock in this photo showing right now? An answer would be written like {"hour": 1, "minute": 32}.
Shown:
{"hour": 9, "minute": 55}
